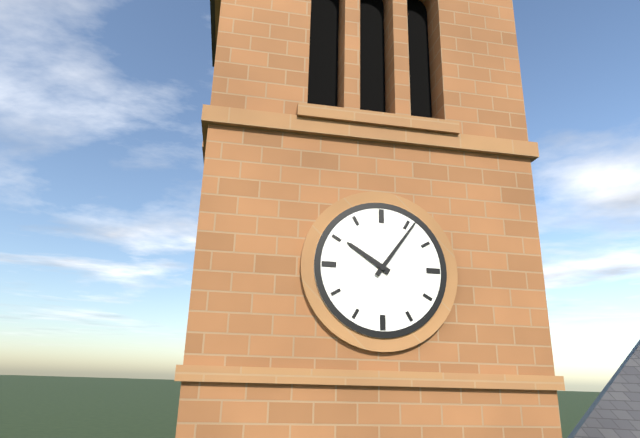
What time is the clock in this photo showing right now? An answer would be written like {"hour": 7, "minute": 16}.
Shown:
{"hour": 10, "minute": 6}
